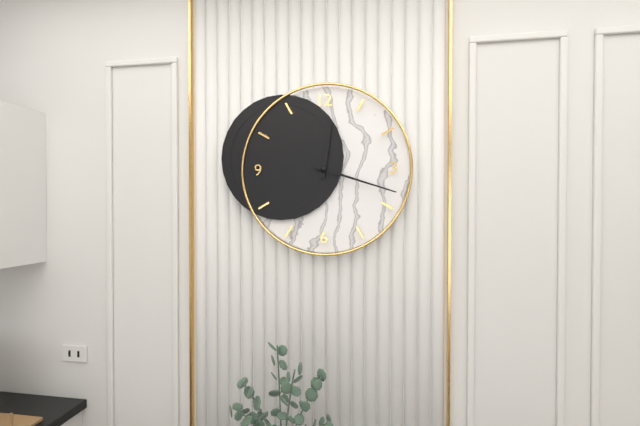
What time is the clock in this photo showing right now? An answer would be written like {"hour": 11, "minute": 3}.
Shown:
{"hour": 12, "minute": 18}
